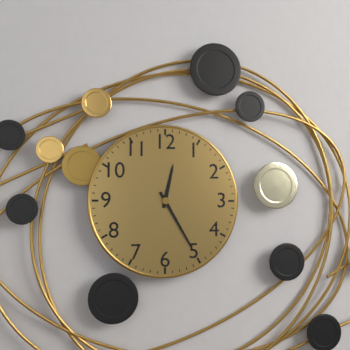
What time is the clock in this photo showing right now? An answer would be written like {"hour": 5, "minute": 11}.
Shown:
{"hour": 12, "minute": 25}
